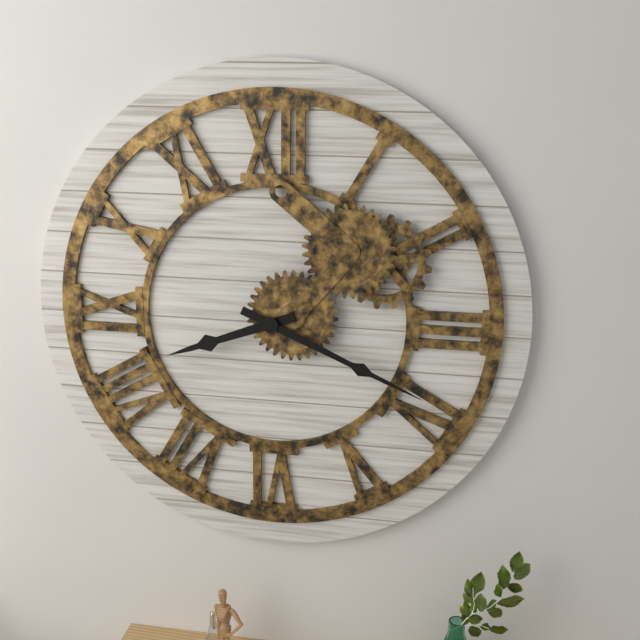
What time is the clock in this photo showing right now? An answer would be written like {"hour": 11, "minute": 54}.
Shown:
{"hour": 8, "minute": 19}
